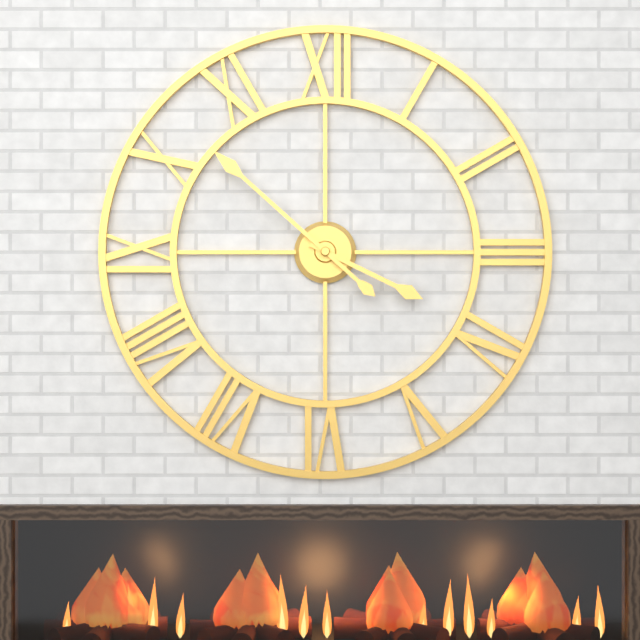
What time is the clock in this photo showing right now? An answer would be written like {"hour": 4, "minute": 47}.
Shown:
{"hour": 3, "minute": 52}
